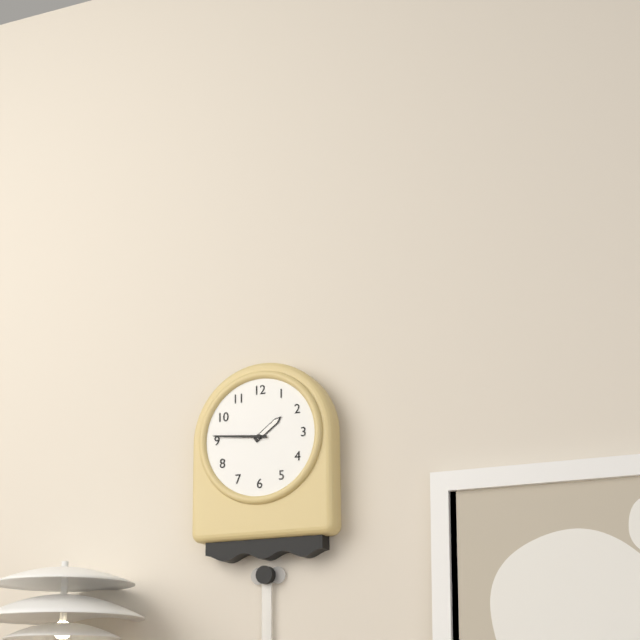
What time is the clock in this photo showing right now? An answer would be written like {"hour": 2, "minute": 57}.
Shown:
{"hour": 1, "minute": 46}
